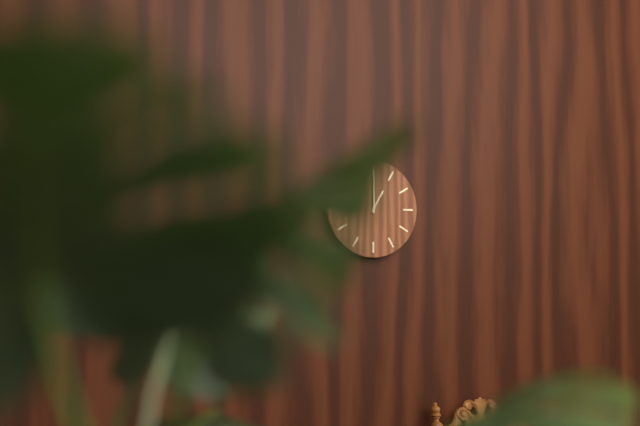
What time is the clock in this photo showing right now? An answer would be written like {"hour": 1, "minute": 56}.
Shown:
{"hour": 1, "minute": 0}
